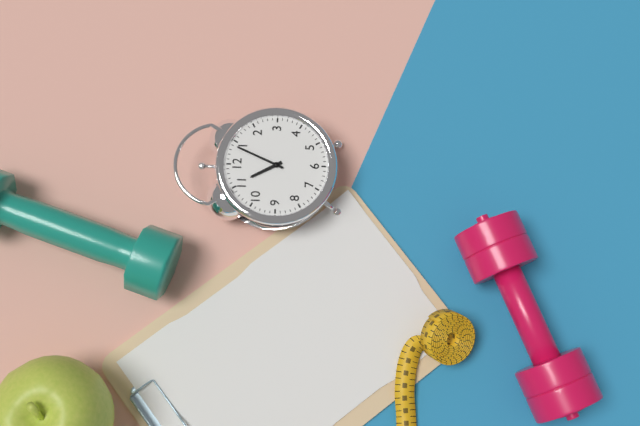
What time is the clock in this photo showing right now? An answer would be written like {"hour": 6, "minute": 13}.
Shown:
{"hour": 11, "minute": 4}
